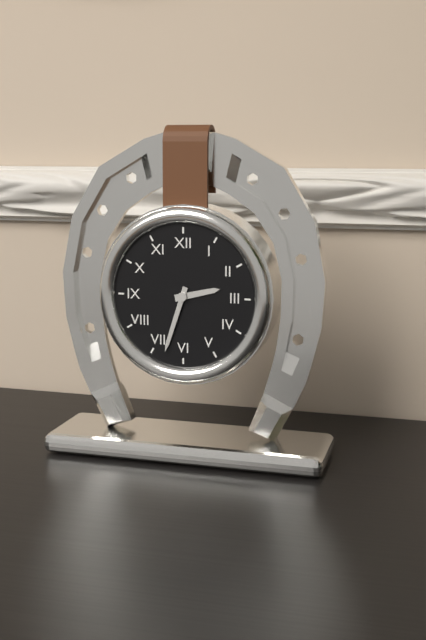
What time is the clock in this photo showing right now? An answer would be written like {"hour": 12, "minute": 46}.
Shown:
{"hour": 2, "minute": 33}
